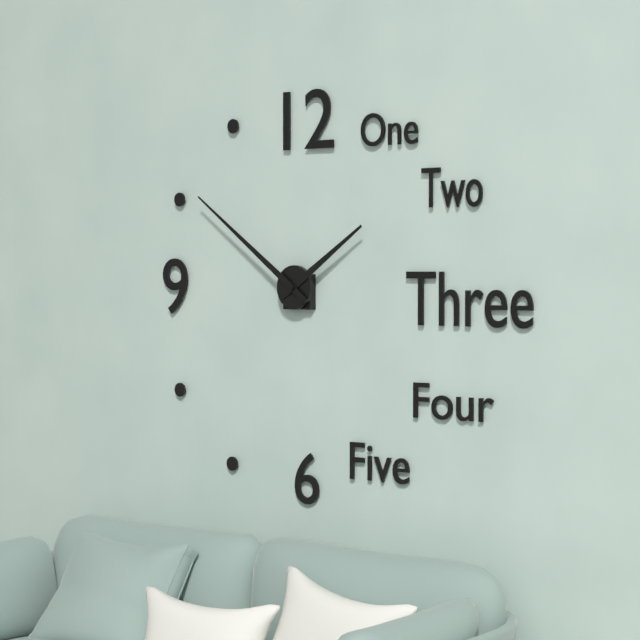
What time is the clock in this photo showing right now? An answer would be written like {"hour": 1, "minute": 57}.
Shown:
{"hour": 1, "minute": 51}
